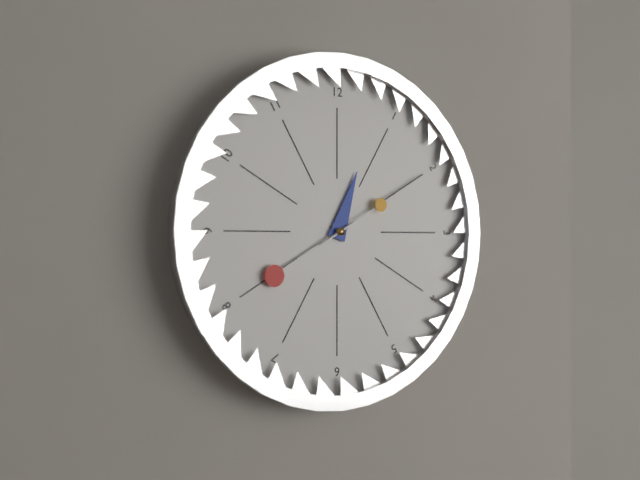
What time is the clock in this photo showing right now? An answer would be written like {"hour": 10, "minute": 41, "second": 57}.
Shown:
{"hour": 12, "minute": 40, "second": 10}
